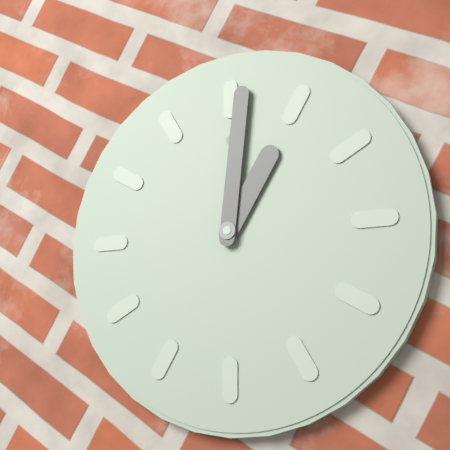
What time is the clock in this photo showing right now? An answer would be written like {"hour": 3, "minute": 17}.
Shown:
{"hour": 1, "minute": 1}
